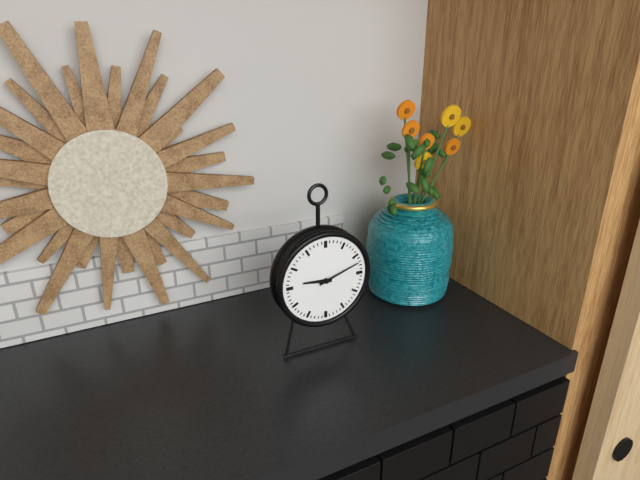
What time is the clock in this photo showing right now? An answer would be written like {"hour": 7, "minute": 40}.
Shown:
{"hour": 9, "minute": 12}
